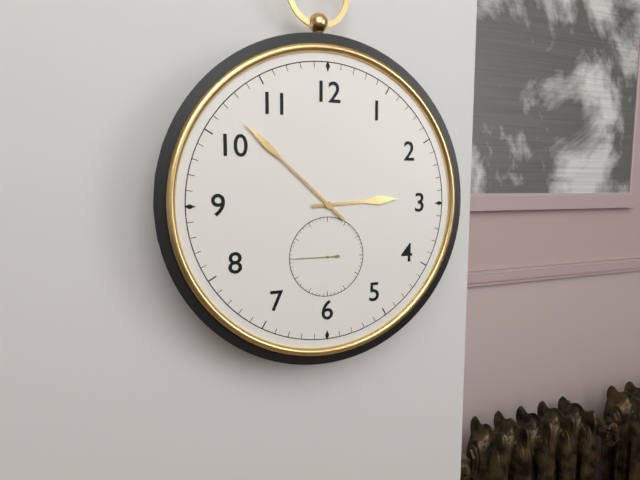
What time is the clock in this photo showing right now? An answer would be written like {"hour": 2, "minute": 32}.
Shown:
{"hour": 2, "minute": 52}
